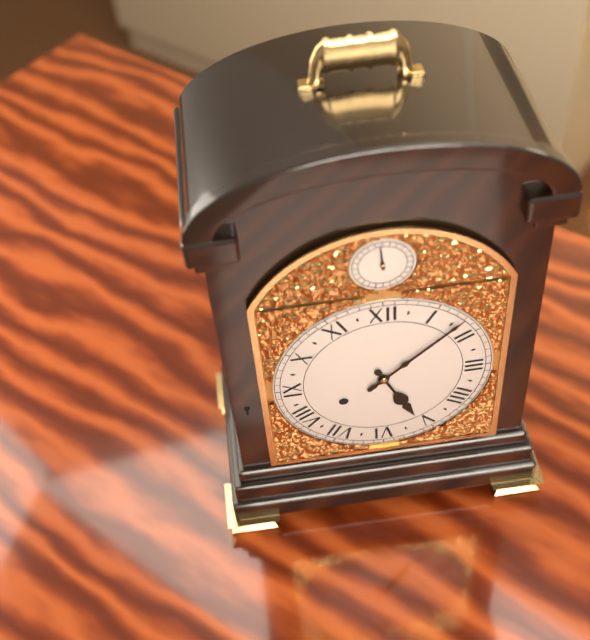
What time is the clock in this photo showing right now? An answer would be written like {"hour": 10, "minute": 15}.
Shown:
{"hour": 5, "minute": 8}
